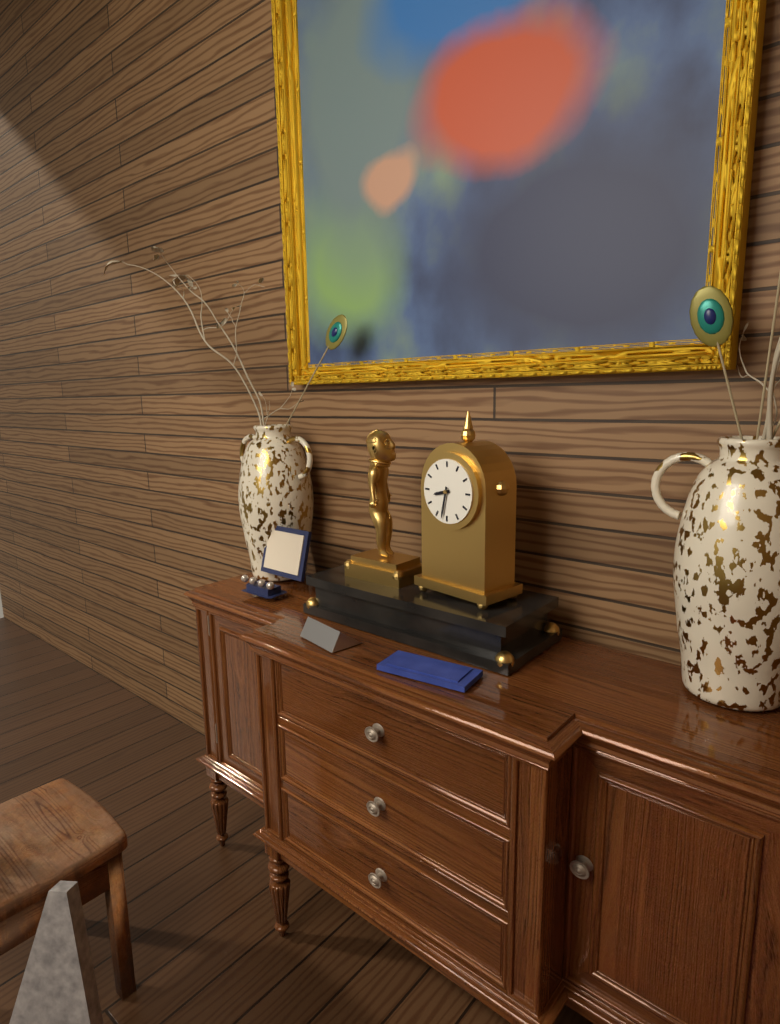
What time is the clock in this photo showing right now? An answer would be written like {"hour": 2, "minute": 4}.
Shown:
{"hour": 8, "minute": 32}
